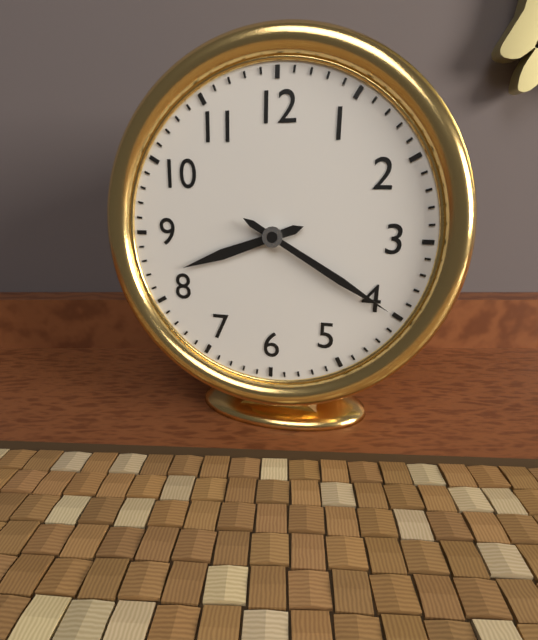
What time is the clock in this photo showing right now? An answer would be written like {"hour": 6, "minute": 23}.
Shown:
{"hour": 8, "minute": 20}
